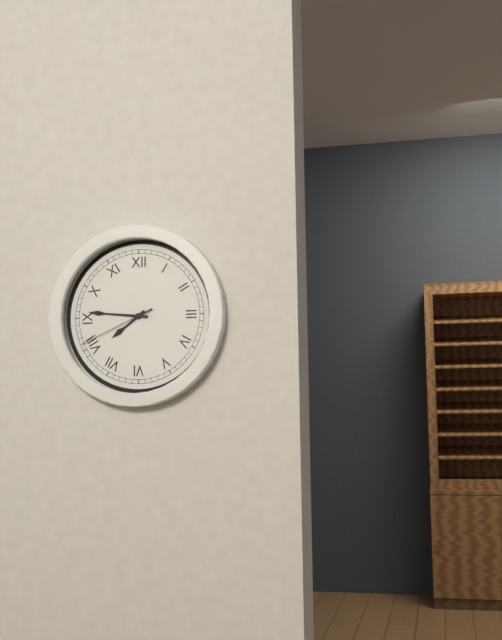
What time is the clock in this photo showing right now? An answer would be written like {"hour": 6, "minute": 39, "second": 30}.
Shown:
{"hour": 7, "minute": 46, "second": 41}
